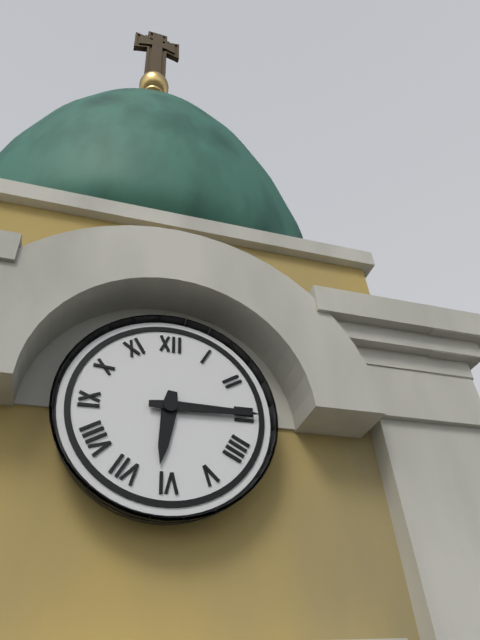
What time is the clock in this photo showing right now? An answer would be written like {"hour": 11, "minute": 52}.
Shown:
{"hour": 6, "minute": 15}
